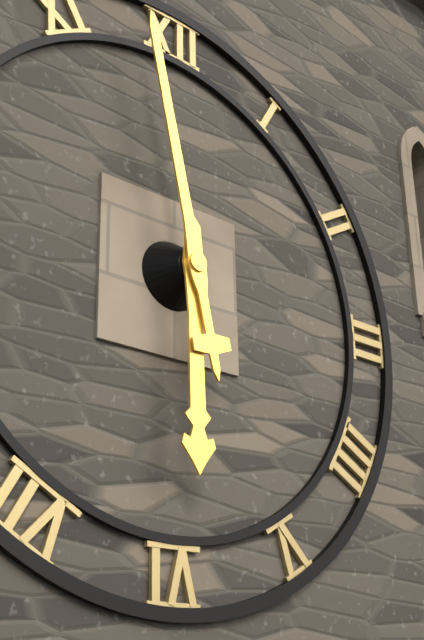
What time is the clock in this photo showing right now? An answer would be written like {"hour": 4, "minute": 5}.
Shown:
{"hour": 5, "minute": 58}
